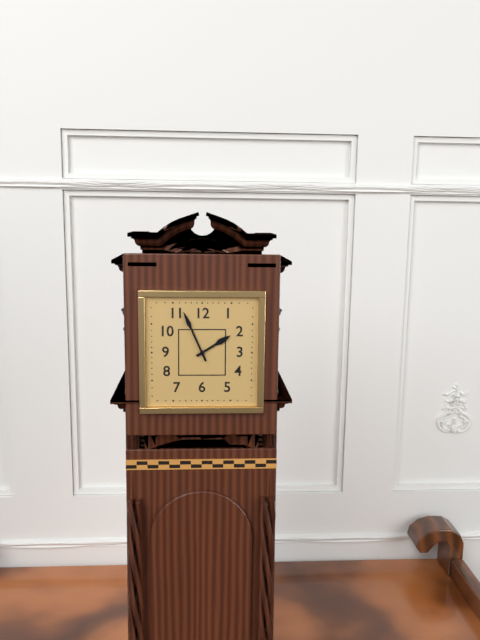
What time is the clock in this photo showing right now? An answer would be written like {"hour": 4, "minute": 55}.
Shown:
{"hour": 1, "minute": 56}
